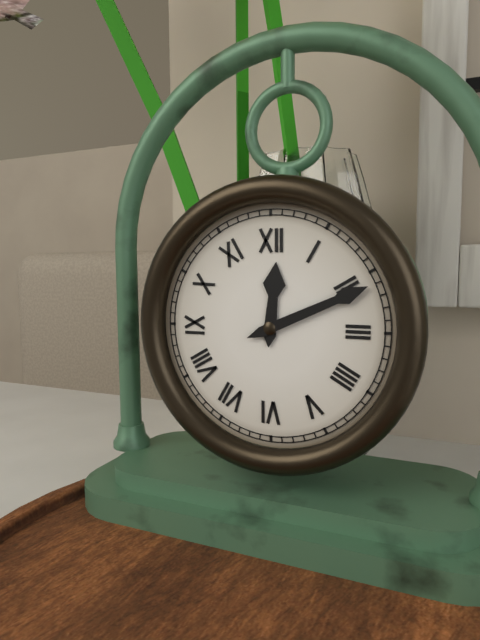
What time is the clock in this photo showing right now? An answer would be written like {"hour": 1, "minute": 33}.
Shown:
{"hour": 12, "minute": 11}
